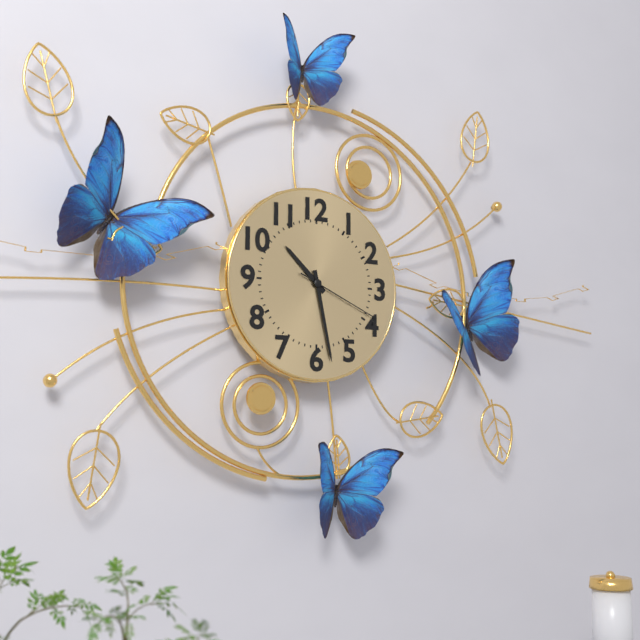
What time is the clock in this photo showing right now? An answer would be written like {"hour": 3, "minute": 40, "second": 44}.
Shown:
{"hour": 10, "minute": 28, "second": 19}
